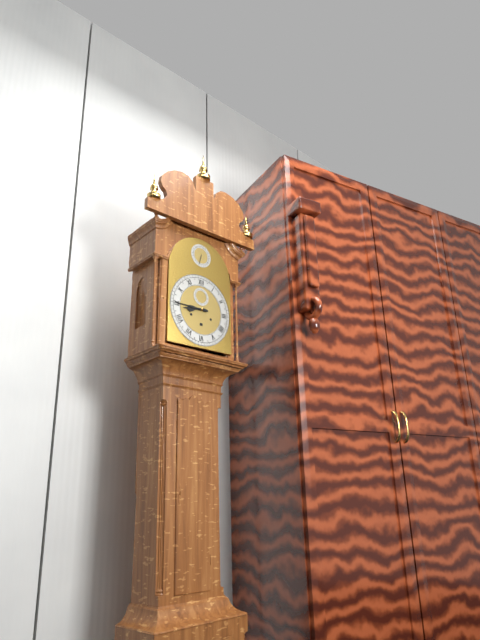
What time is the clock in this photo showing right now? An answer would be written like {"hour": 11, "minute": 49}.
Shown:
{"hour": 8, "minute": 45}
